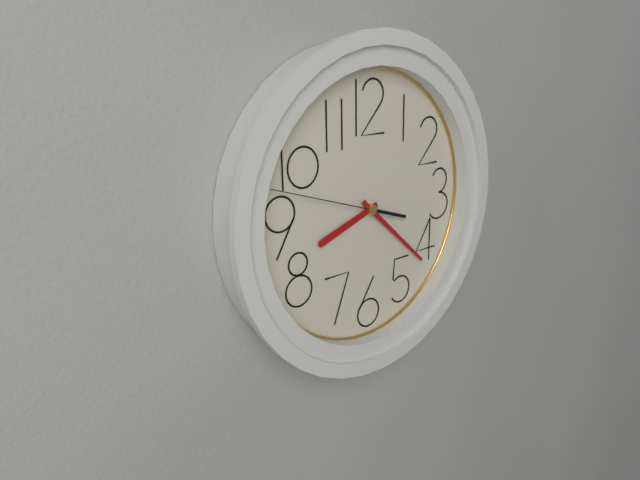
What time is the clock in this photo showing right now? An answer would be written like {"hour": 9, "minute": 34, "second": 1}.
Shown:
{"hour": 8, "minute": 22, "second": 48}
